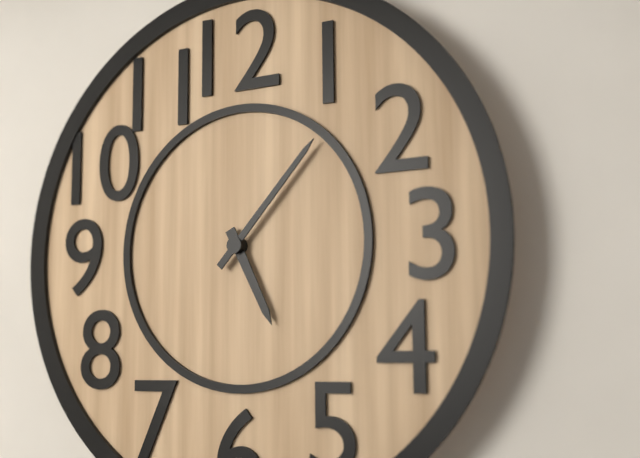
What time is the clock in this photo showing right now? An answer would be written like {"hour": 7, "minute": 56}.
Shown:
{"hour": 5, "minute": 7}
